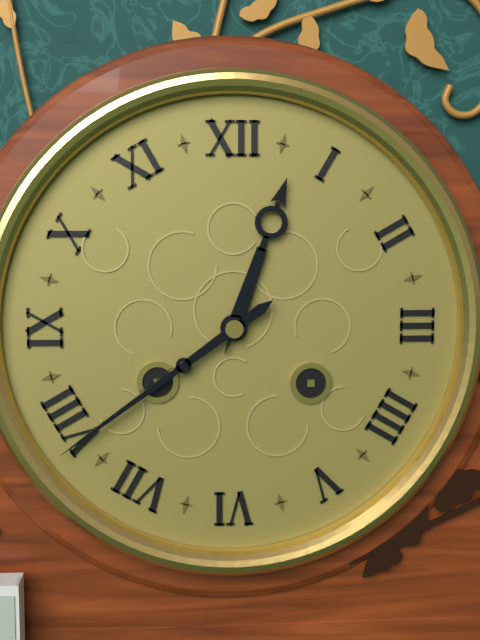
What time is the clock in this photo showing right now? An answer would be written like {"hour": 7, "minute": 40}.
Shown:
{"hour": 12, "minute": 39}
